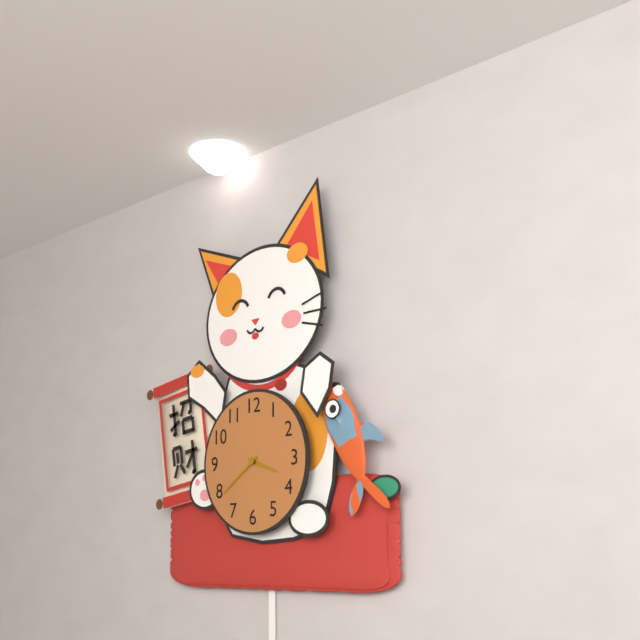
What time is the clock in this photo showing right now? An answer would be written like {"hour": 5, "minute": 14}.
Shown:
{"hour": 3, "minute": 39}
